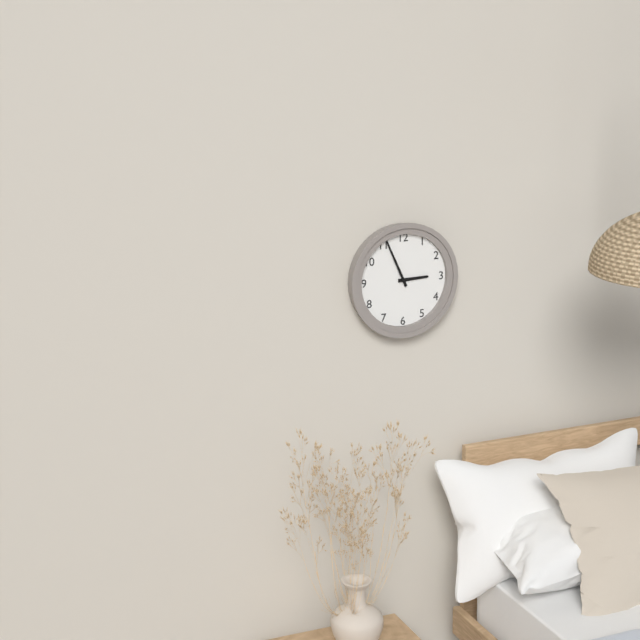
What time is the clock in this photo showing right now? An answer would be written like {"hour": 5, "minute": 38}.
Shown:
{"hour": 2, "minute": 56}
